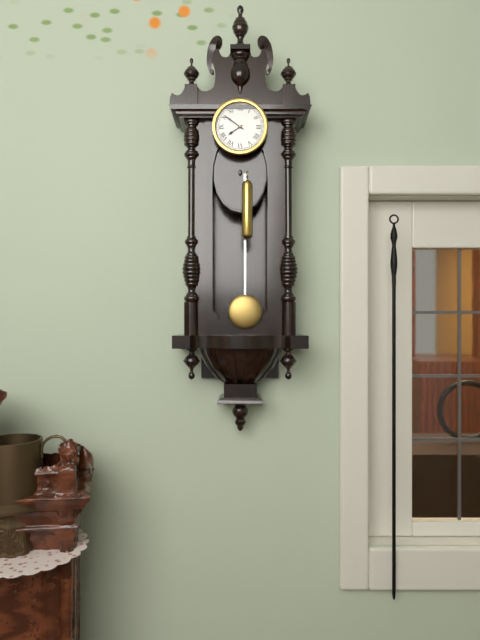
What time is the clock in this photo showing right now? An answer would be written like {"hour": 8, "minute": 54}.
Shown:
{"hour": 7, "minute": 51}
